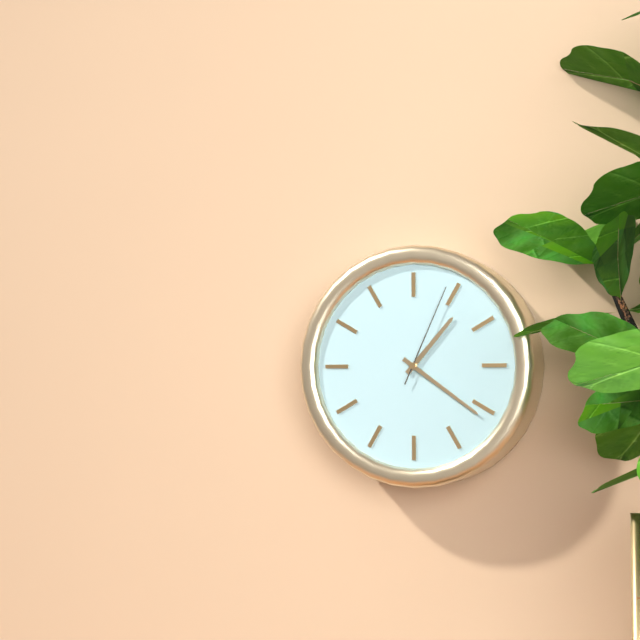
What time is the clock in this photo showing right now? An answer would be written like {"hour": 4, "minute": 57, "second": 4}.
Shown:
{"hour": 1, "minute": 21, "second": 4}
